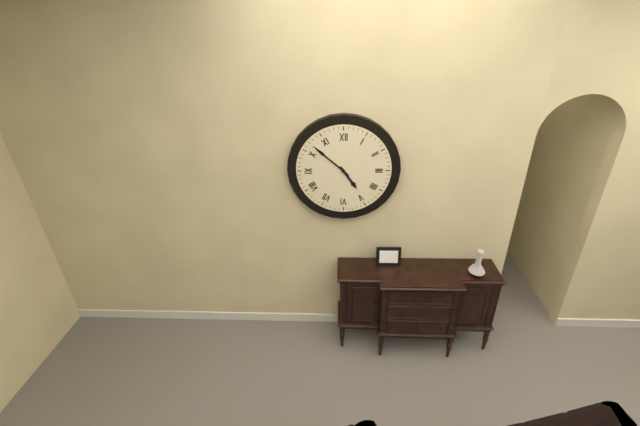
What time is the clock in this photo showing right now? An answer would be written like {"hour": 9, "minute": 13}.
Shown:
{"hour": 4, "minute": 52}
